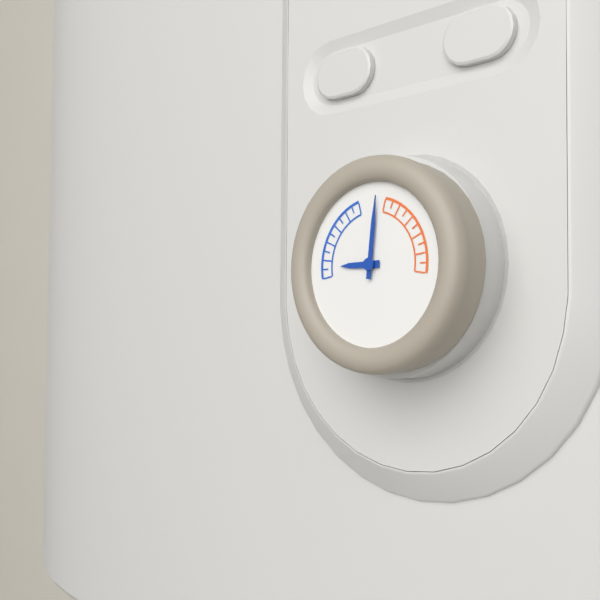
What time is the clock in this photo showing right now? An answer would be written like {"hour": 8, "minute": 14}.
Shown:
{"hour": 9, "minute": 1}
